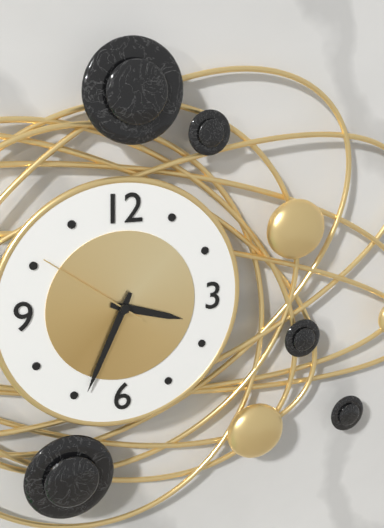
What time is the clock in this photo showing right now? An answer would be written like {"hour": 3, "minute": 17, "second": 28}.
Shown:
{"hour": 3, "minute": 34, "second": 51}
